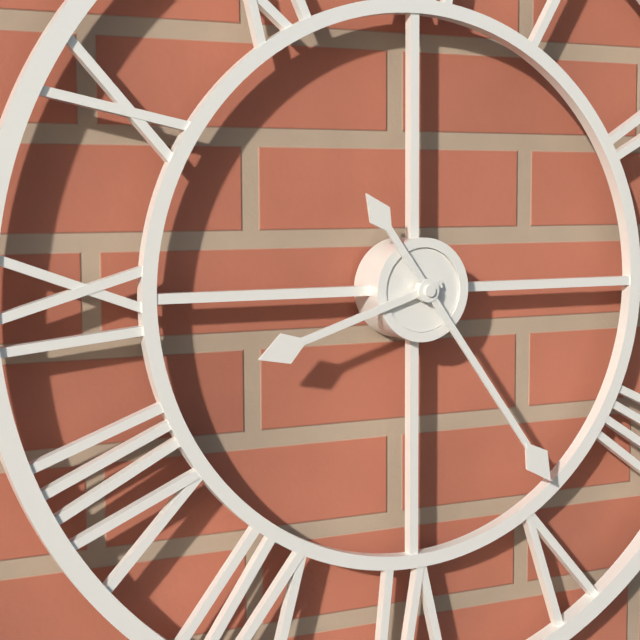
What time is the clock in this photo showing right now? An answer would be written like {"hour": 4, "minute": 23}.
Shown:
{"hour": 8, "minute": 24}
